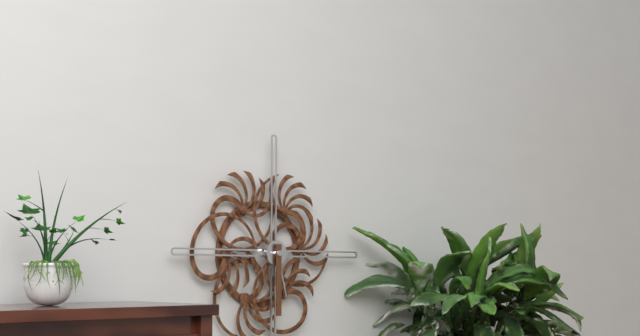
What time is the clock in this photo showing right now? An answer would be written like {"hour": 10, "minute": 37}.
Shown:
{"hour": 5, "minute": 30}
